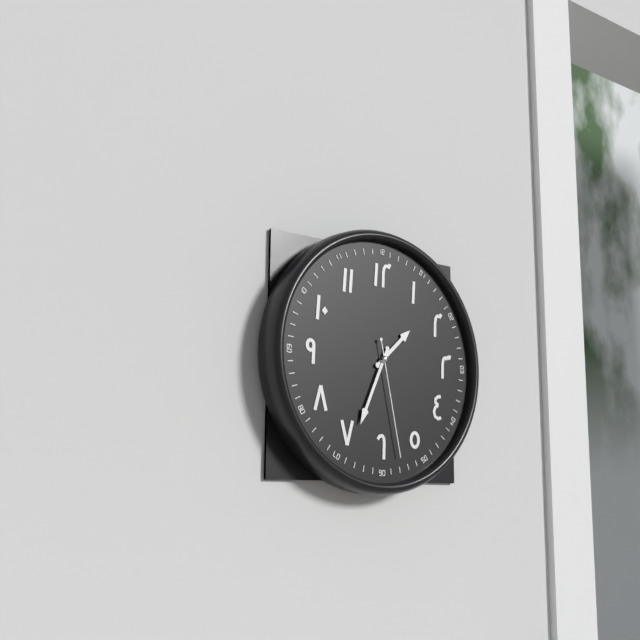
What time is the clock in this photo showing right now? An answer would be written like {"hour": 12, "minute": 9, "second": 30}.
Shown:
{"hour": 1, "minute": 34, "second": 28}
